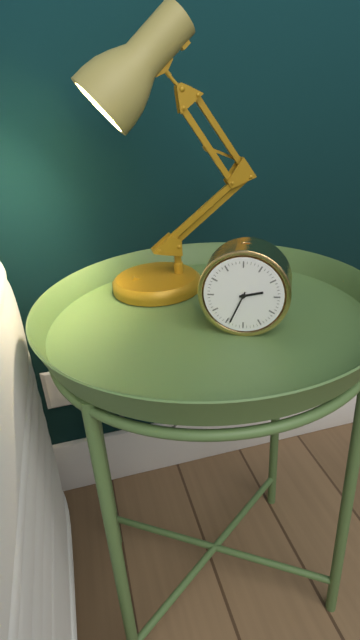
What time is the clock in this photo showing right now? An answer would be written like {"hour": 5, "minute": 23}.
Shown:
{"hour": 2, "minute": 34}
